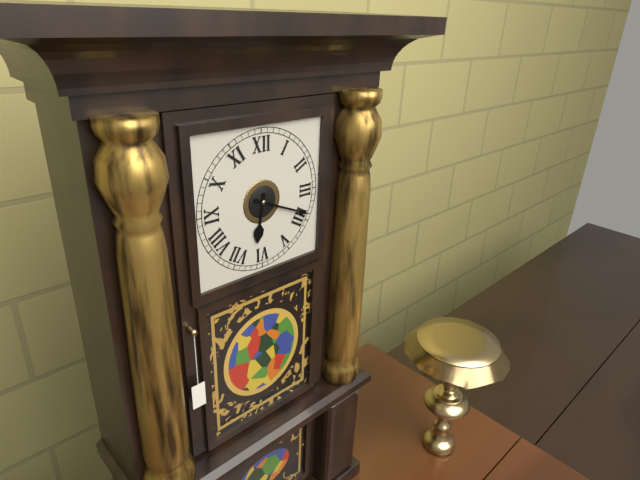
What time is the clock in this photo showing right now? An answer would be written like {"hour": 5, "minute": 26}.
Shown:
{"hour": 6, "minute": 19}
